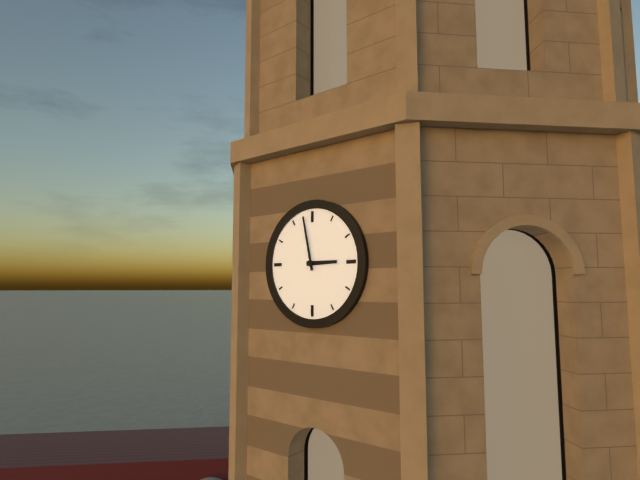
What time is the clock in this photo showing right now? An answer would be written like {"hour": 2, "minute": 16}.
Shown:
{"hour": 2, "minute": 58}
